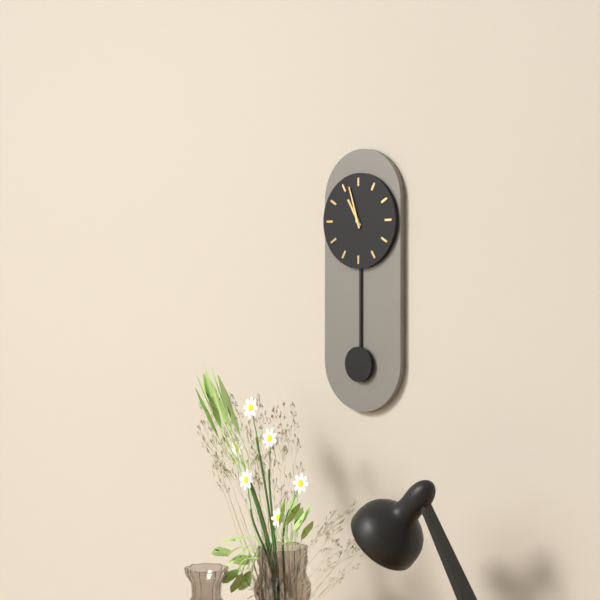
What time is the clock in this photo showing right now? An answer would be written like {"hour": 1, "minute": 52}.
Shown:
{"hour": 10, "minute": 57}
